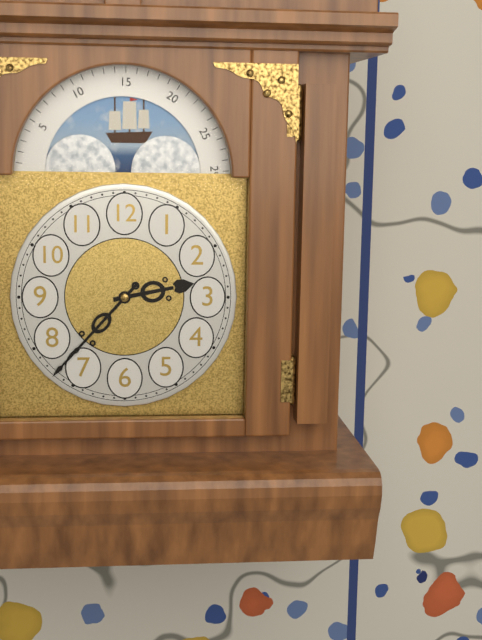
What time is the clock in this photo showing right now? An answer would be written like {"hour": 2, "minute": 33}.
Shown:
{"hour": 2, "minute": 37}
